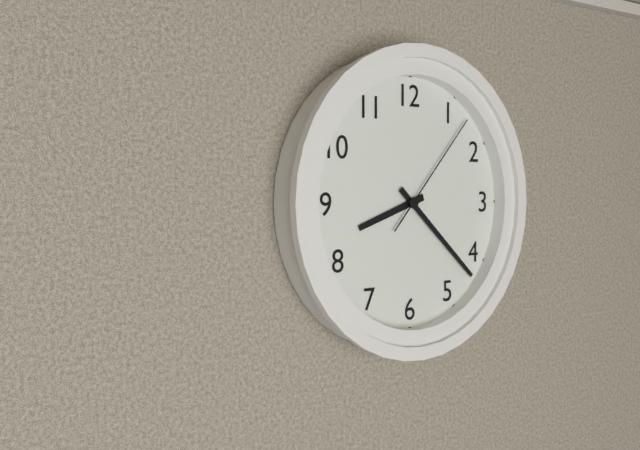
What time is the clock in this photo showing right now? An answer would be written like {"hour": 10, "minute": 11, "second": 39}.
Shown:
{"hour": 8, "minute": 22, "second": 7}
